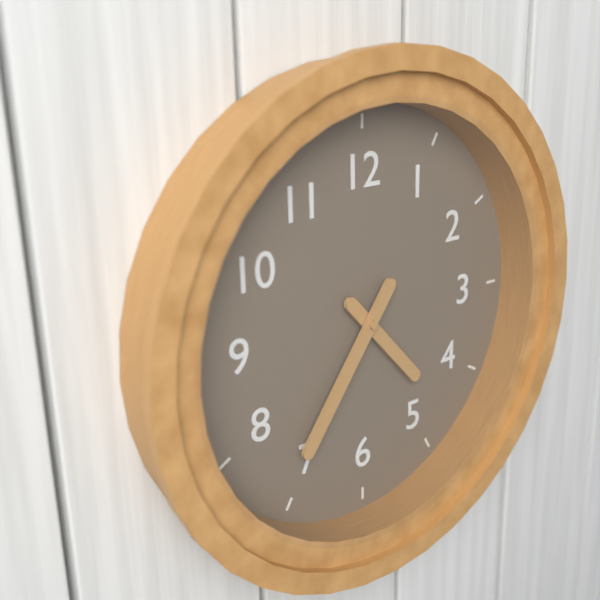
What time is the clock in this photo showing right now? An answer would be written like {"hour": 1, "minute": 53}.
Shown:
{"hour": 4, "minute": 36}
